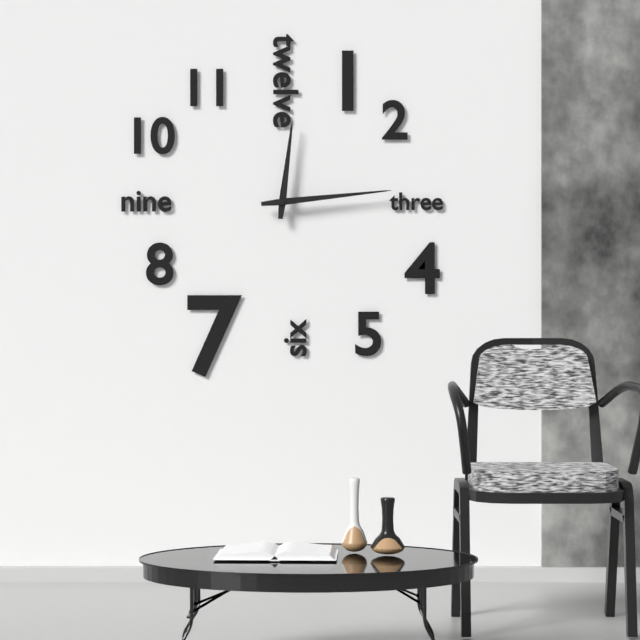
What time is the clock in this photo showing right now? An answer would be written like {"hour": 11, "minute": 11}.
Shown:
{"hour": 12, "minute": 14}
